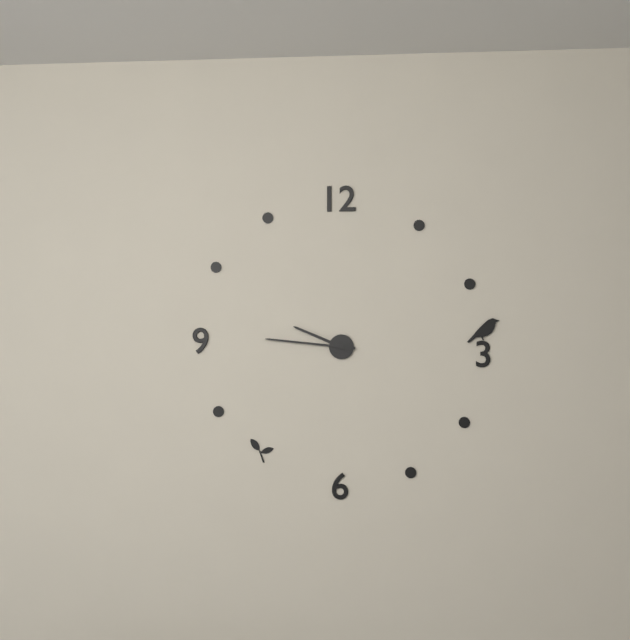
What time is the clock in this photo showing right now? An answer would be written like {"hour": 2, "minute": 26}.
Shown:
{"hour": 9, "minute": 46}
